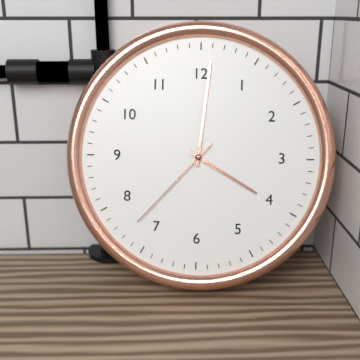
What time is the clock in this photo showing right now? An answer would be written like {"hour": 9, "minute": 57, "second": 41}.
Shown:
{"hour": 4, "minute": 1, "second": 37}
